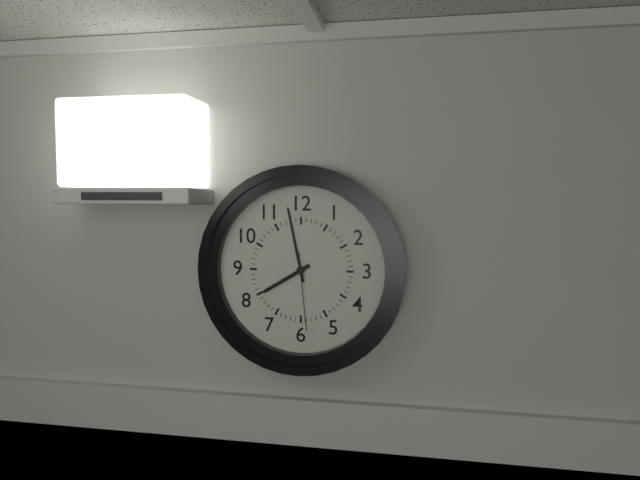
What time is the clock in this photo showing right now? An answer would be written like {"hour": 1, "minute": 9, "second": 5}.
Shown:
{"hour": 7, "minute": 58, "second": 29}
